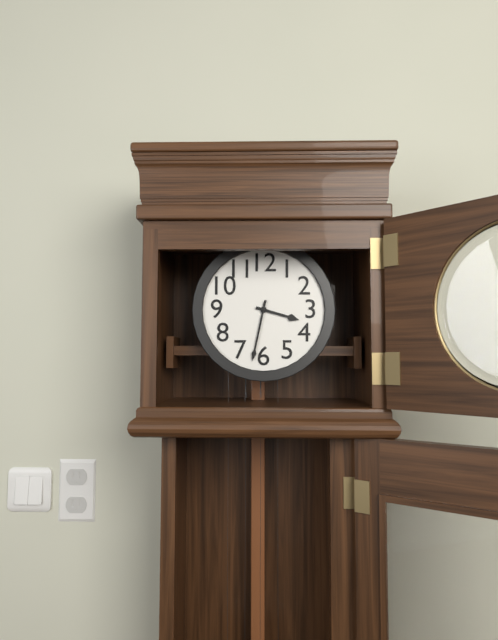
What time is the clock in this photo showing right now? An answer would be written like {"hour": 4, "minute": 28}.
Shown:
{"hour": 3, "minute": 32}
